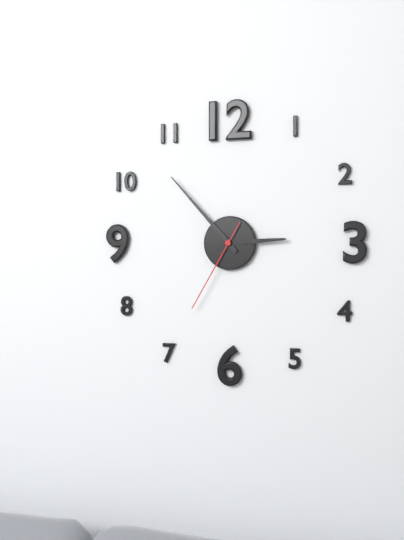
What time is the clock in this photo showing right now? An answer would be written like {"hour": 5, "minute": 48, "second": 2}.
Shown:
{"hour": 2, "minute": 53, "second": 35}
